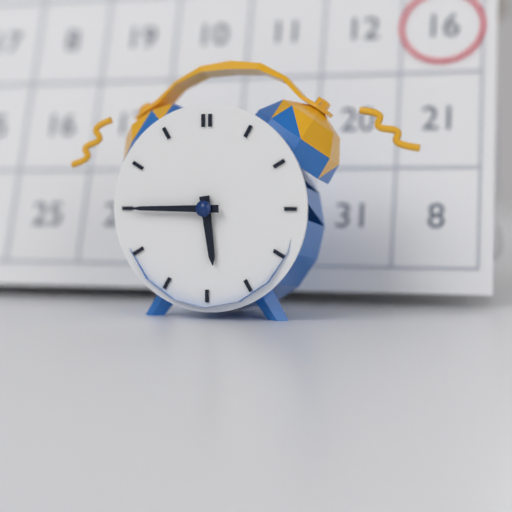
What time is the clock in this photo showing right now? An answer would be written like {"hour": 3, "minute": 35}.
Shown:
{"hour": 5, "minute": 45}
